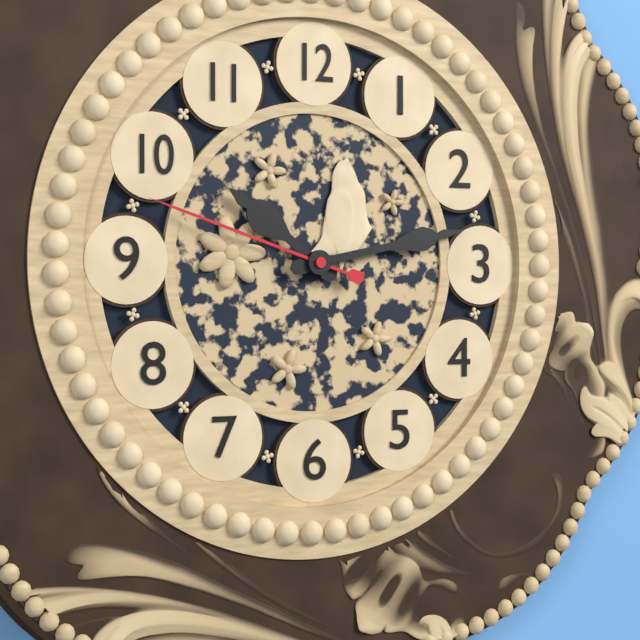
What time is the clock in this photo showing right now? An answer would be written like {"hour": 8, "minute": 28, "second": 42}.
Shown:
{"hour": 10, "minute": 13, "second": 48}
